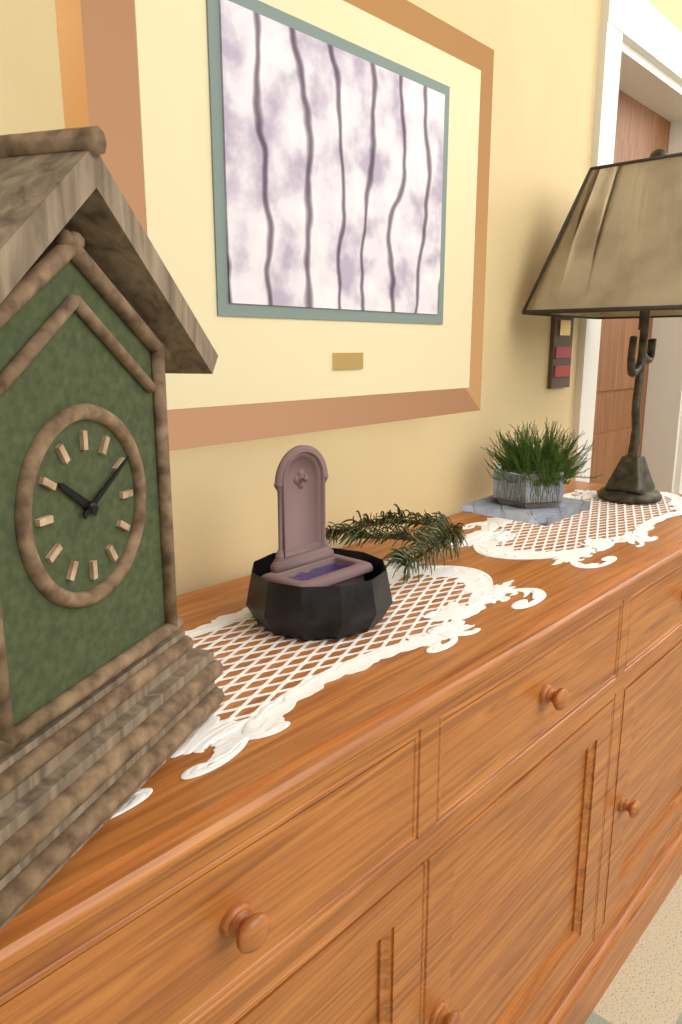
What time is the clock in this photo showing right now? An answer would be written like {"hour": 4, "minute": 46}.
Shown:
{"hour": 10, "minute": 10}
